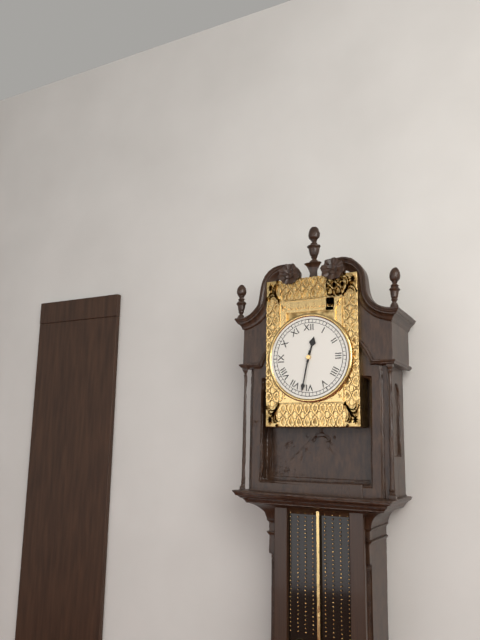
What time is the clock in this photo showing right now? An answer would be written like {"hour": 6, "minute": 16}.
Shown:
{"hour": 12, "minute": 32}
